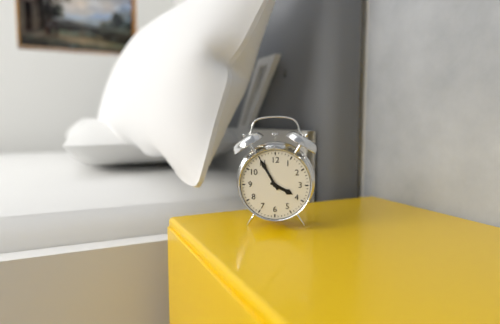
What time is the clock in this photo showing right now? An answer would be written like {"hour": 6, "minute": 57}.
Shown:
{"hour": 3, "minute": 55}
